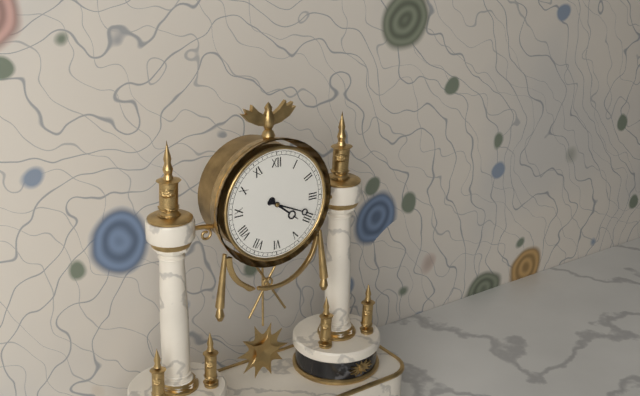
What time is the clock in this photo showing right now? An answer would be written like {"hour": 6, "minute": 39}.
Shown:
{"hour": 4, "minute": 19}
